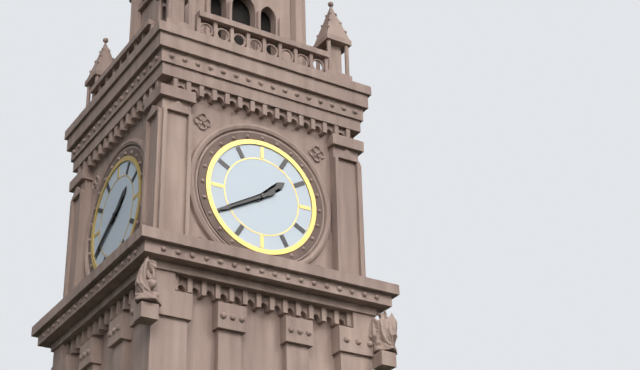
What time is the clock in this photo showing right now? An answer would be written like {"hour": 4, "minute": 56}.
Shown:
{"hour": 1, "minute": 40}
